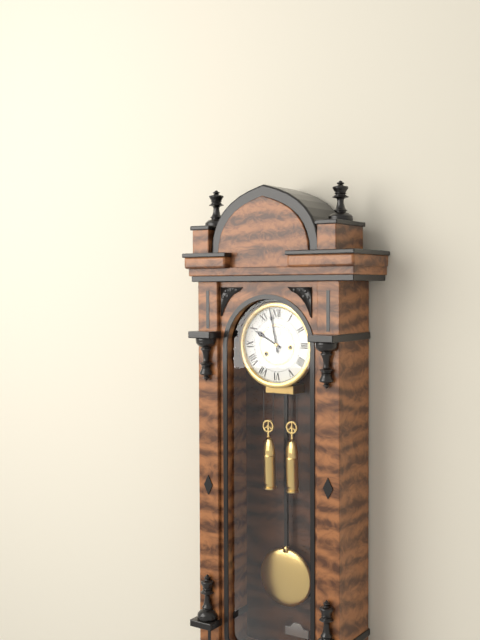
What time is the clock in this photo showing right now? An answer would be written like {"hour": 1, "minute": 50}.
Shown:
{"hour": 9, "minute": 58}
